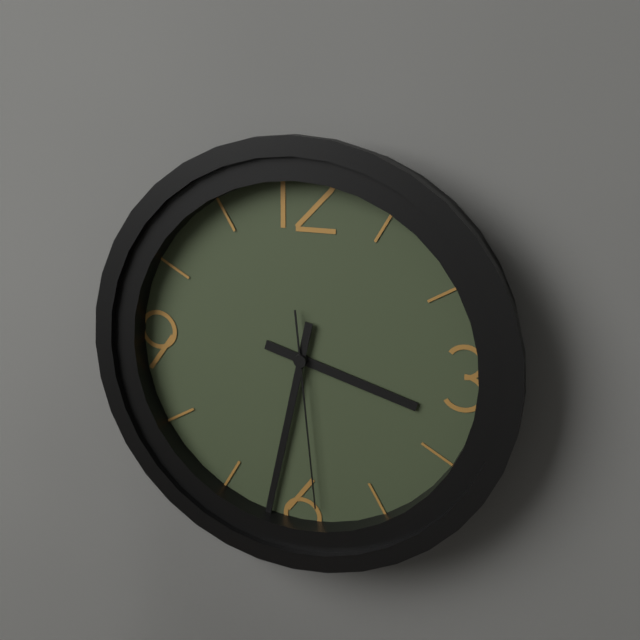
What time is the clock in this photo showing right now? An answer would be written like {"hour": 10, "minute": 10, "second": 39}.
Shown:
{"hour": 3, "minute": 32, "second": 29}
